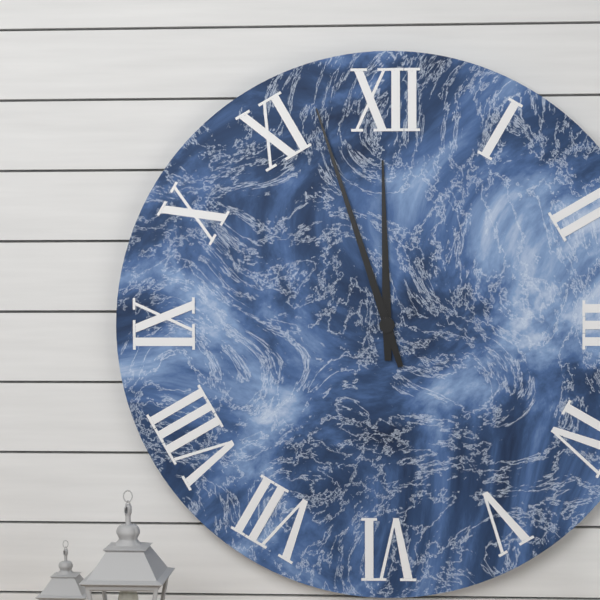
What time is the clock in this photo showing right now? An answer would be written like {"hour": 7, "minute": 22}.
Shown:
{"hour": 11, "minute": 57}
